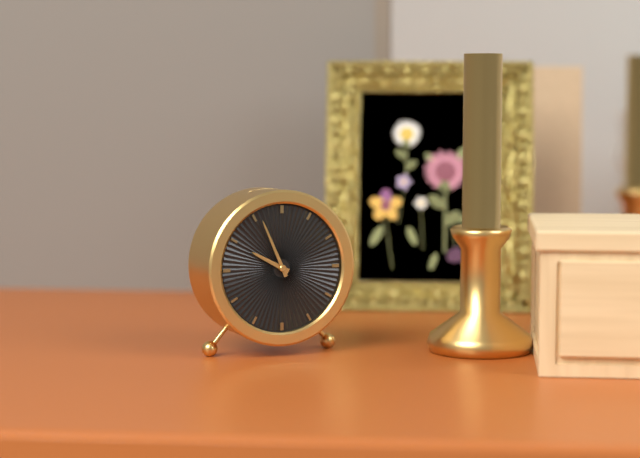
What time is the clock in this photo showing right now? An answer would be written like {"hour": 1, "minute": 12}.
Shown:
{"hour": 9, "minute": 56}
